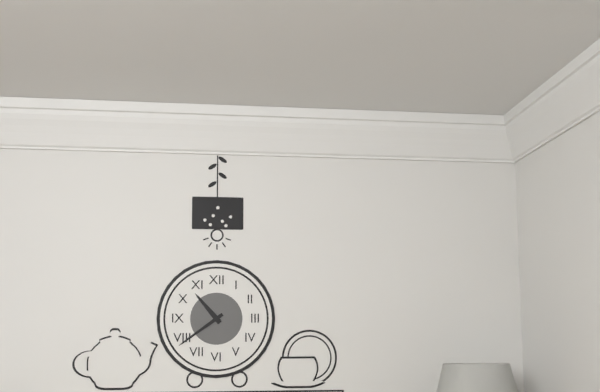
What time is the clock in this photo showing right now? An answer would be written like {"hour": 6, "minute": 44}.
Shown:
{"hour": 10, "minute": 39}
